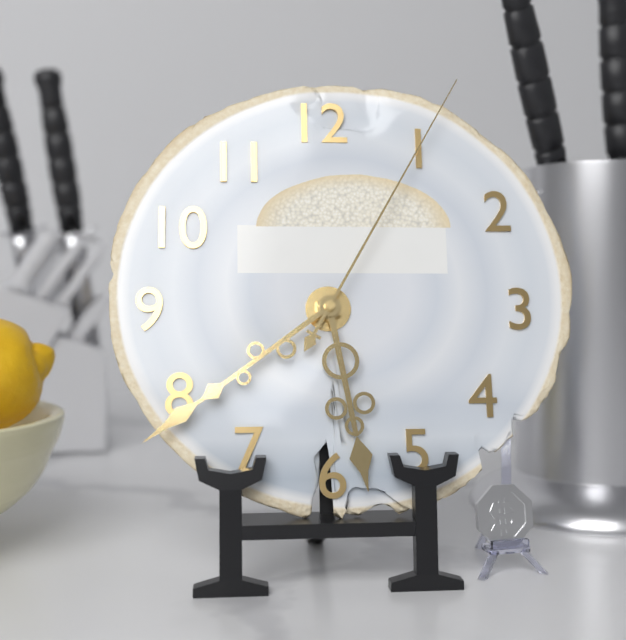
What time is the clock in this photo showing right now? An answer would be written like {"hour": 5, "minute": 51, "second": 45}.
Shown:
{"hour": 5, "minute": 39, "second": 5}
